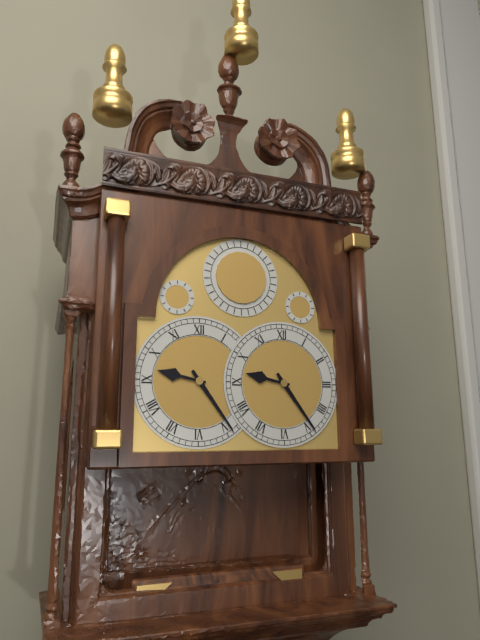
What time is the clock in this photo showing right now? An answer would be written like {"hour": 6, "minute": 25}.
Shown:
{"hour": 9, "minute": 24}
